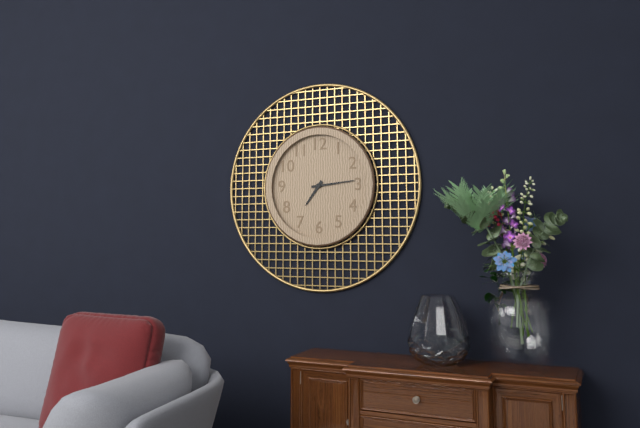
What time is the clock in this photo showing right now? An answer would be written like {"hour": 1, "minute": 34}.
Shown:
{"hour": 7, "minute": 14}
